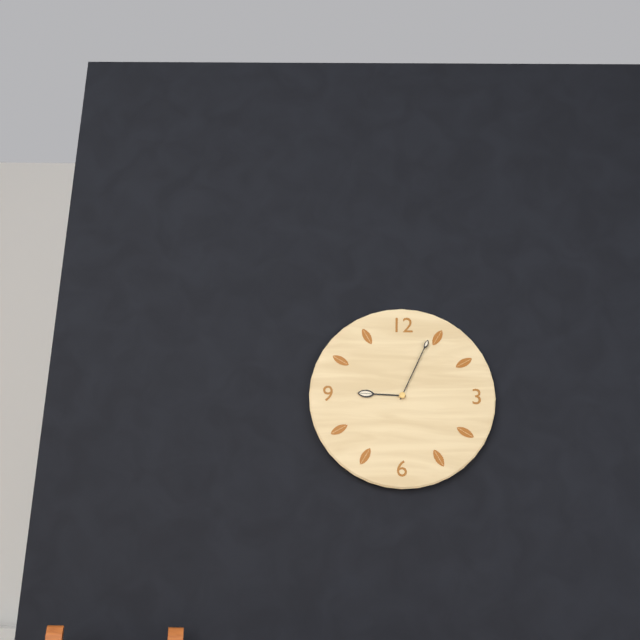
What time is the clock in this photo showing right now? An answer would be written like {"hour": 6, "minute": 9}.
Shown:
{"hour": 9, "minute": 4}
